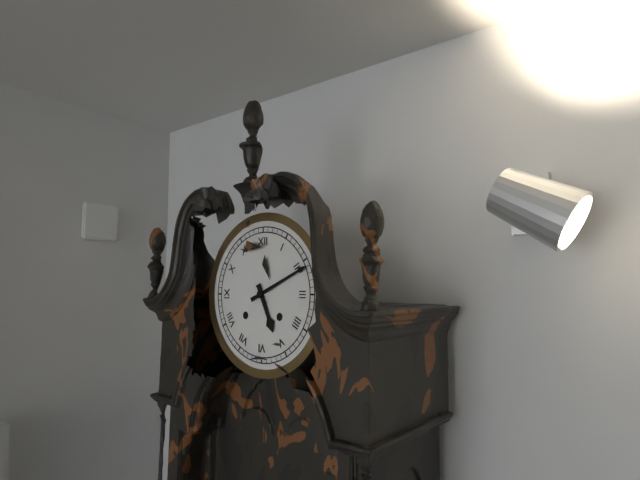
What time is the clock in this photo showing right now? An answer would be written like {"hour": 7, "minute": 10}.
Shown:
{"hour": 5, "minute": 11}
